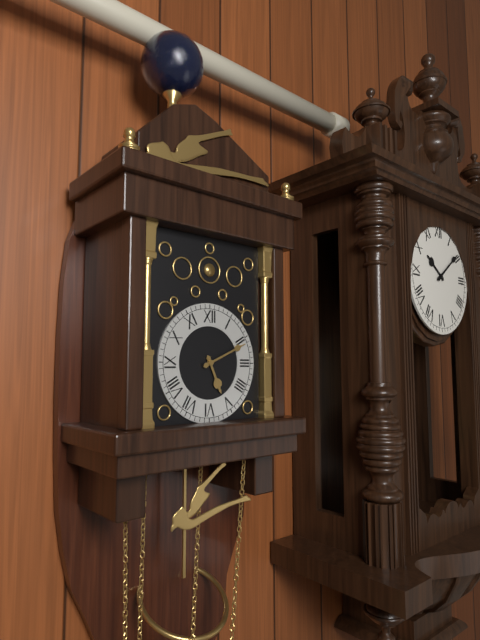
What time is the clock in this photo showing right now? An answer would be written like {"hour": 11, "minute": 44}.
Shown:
{"hour": 5, "minute": 11}
